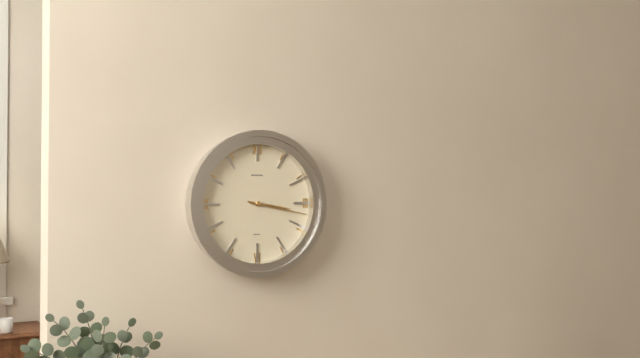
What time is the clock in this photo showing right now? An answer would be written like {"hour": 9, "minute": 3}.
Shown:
{"hour": 3, "minute": 17}
